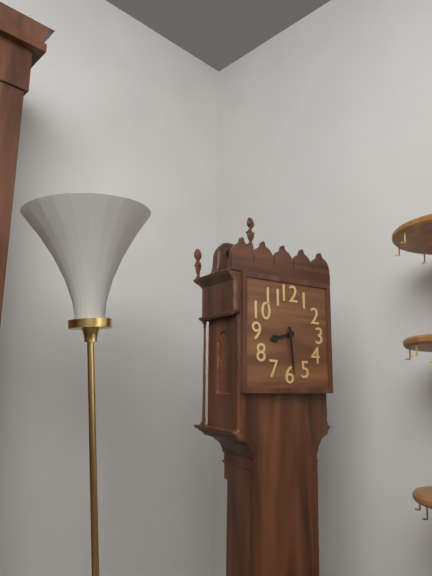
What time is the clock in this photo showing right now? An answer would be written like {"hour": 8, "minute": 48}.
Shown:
{"hour": 8, "minute": 29}
